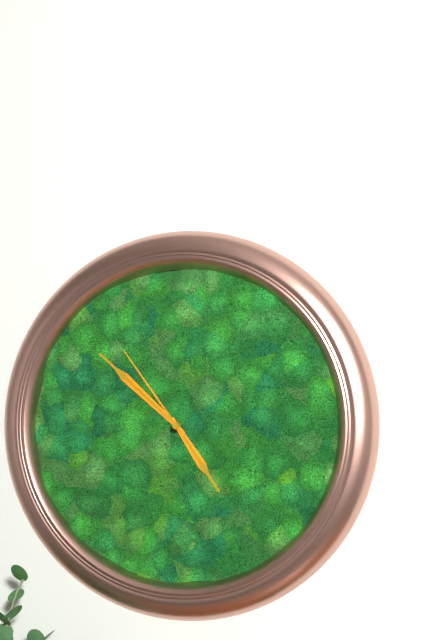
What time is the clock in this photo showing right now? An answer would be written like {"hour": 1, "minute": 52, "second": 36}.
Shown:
{"hour": 4, "minute": 52, "second": 54}
